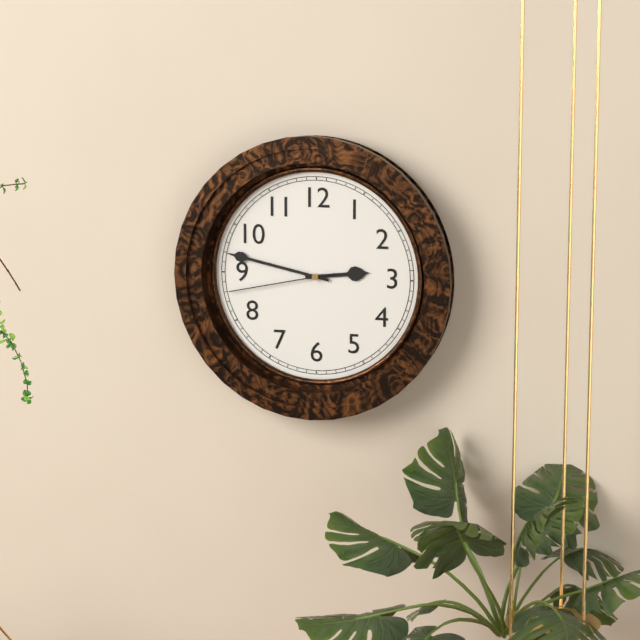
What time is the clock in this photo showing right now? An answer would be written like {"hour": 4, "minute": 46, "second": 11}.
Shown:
{"hour": 2, "minute": 47, "second": 43}
